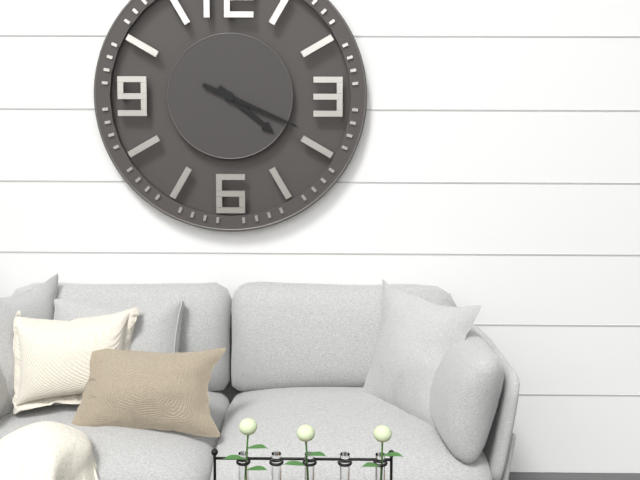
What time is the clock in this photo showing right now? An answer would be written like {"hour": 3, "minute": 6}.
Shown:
{"hour": 4, "minute": 19}
